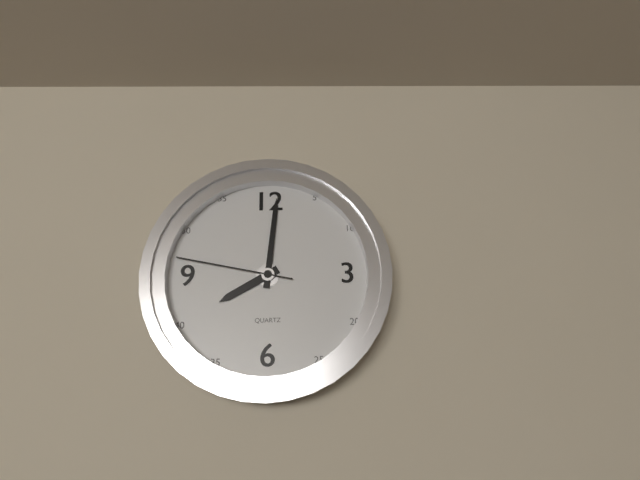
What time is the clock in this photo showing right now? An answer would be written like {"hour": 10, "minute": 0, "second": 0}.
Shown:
{"hour": 8, "minute": 1, "second": 47}
